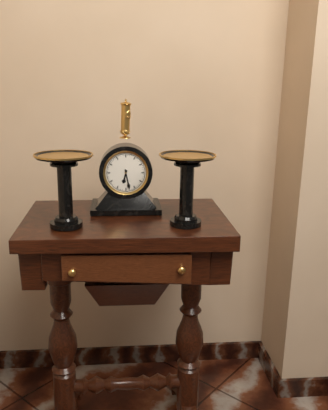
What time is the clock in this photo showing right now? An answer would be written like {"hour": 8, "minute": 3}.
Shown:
{"hour": 6, "minute": 28}
